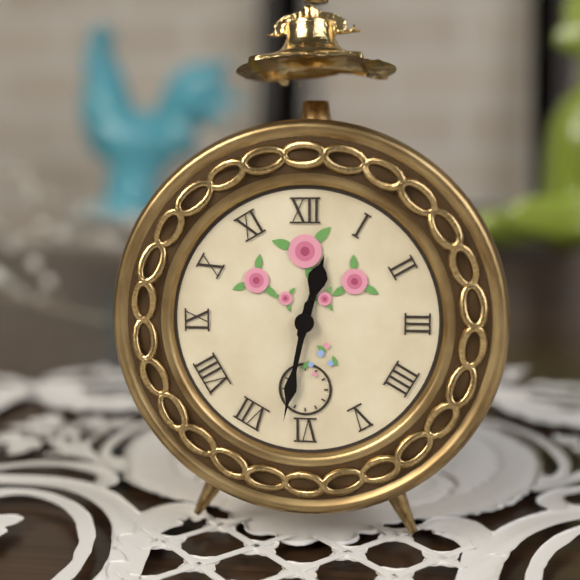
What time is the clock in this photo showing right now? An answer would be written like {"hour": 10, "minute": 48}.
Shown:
{"hour": 12, "minute": 32}
